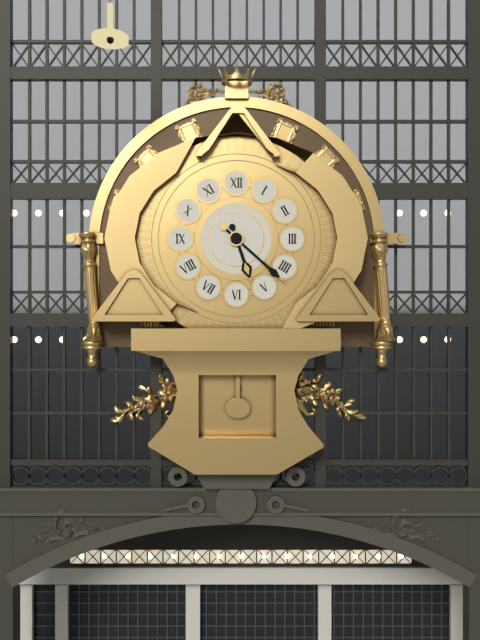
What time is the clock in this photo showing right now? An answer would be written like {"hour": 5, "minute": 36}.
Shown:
{"hour": 5, "minute": 22}
